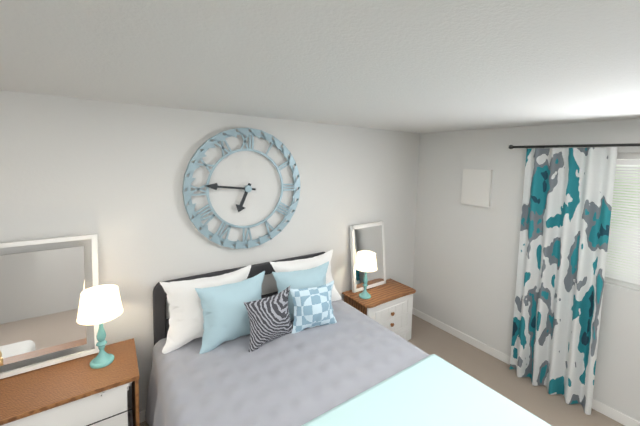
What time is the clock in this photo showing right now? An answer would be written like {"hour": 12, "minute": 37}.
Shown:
{"hour": 6, "minute": 46}
